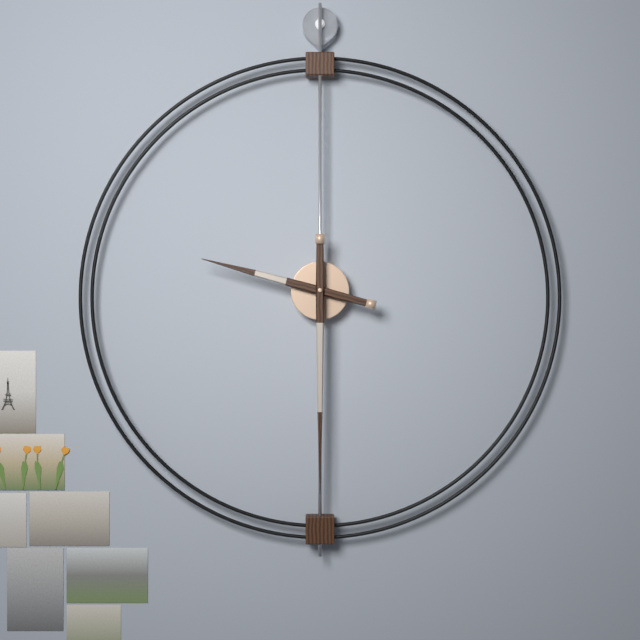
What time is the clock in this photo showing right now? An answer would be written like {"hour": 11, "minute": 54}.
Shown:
{"hour": 9, "minute": 30}
